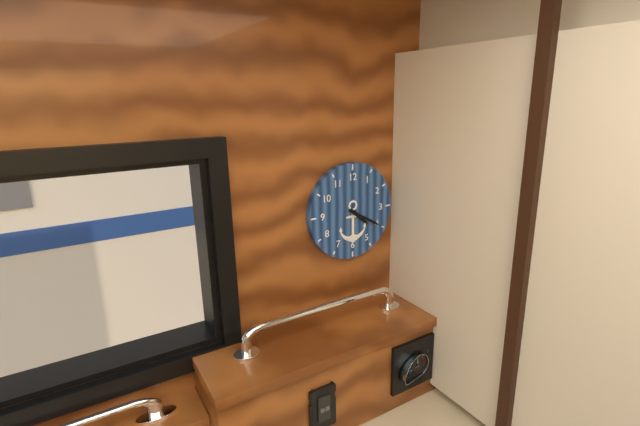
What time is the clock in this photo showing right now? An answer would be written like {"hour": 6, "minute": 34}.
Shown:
{"hour": 4, "minute": 20}
